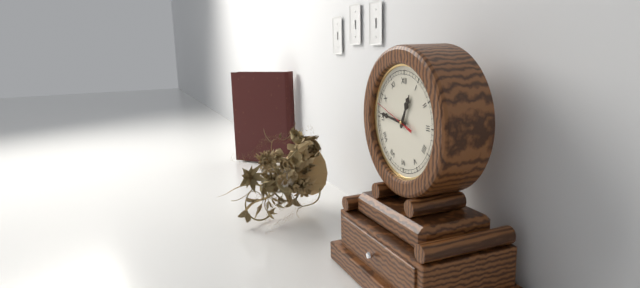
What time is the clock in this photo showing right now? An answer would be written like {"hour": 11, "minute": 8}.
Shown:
{"hour": 12, "minute": 46}
